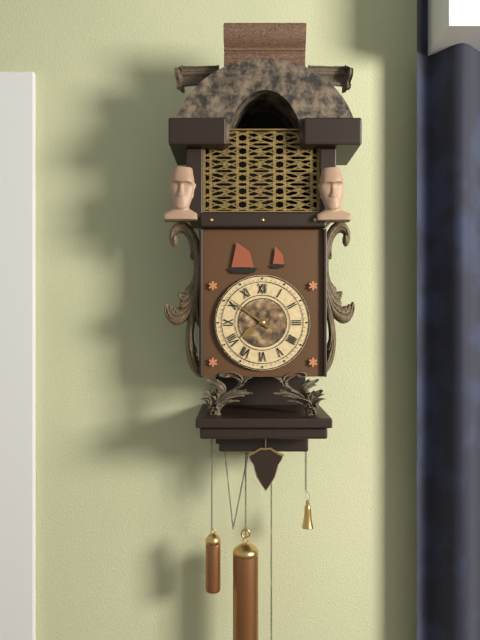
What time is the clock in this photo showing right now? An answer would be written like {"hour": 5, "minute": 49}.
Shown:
{"hour": 7, "minute": 51}
